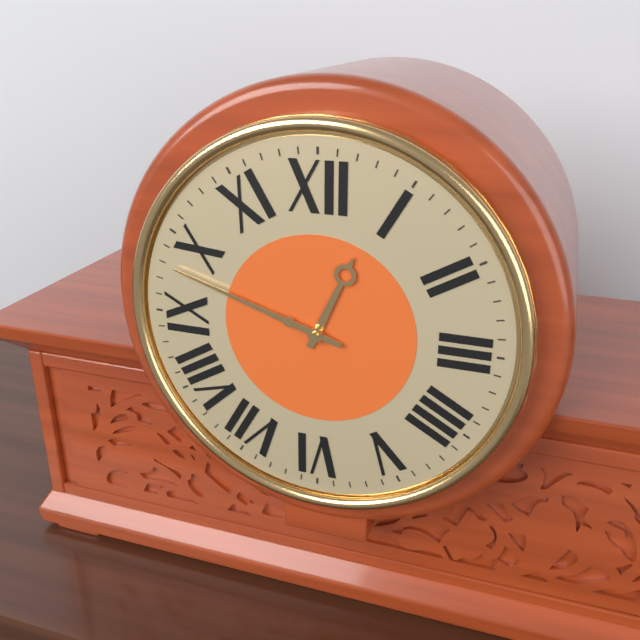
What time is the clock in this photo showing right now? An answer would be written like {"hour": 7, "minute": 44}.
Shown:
{"hour": 12, "minute": 48}
